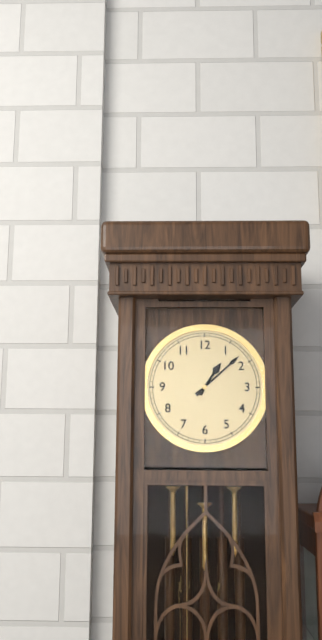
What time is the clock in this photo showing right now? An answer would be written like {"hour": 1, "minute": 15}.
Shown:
{"hour": 1, "minute": 8}
